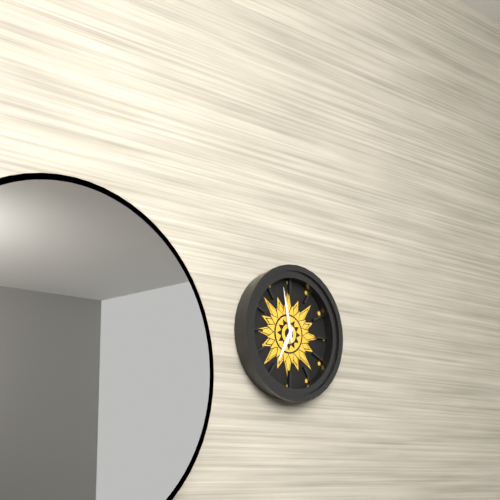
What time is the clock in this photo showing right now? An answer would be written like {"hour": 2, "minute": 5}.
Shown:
{"hour": 6, "minute": 58}
